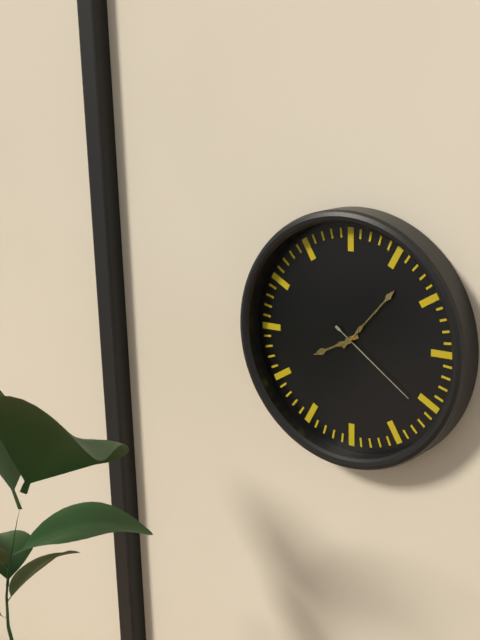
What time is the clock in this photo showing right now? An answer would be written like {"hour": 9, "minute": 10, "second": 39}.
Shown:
{"hour": 8, "minute": 7, "second": 21}
